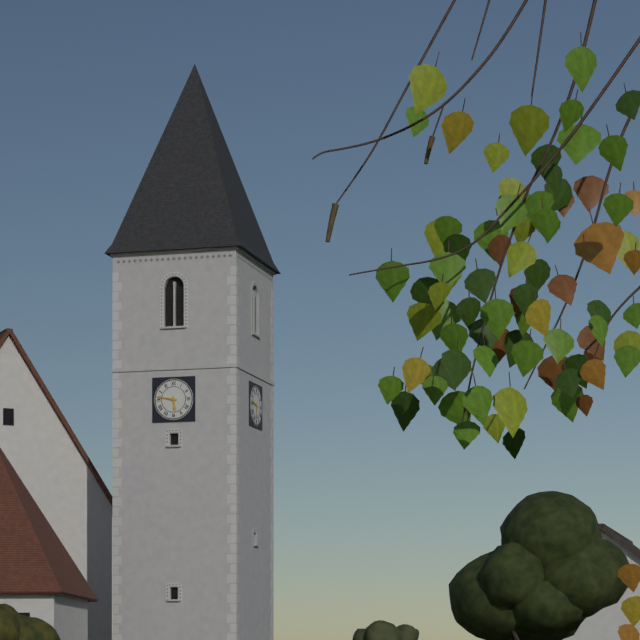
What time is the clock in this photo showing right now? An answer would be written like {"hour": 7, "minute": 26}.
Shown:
{"hour": 5, "minute": 47}
